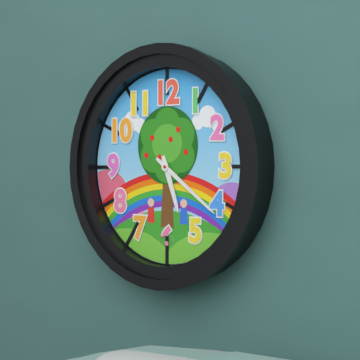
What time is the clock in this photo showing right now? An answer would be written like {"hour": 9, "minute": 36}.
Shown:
{"hour": 5, "minute": 21}
